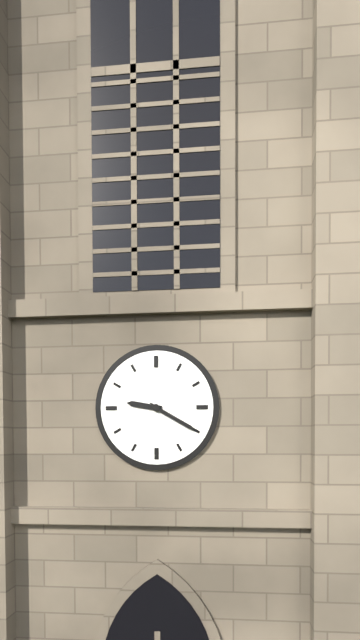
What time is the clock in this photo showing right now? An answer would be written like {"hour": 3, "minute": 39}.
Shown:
{"hour": 9, "minute": 20}
